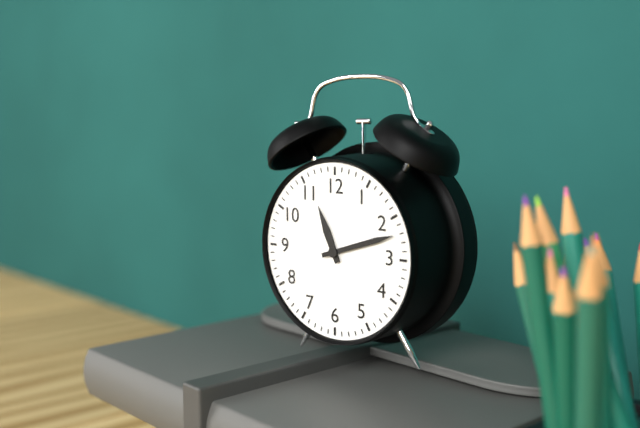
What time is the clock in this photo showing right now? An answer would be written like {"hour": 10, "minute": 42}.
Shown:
{"hour": 11, "minute": 12}
